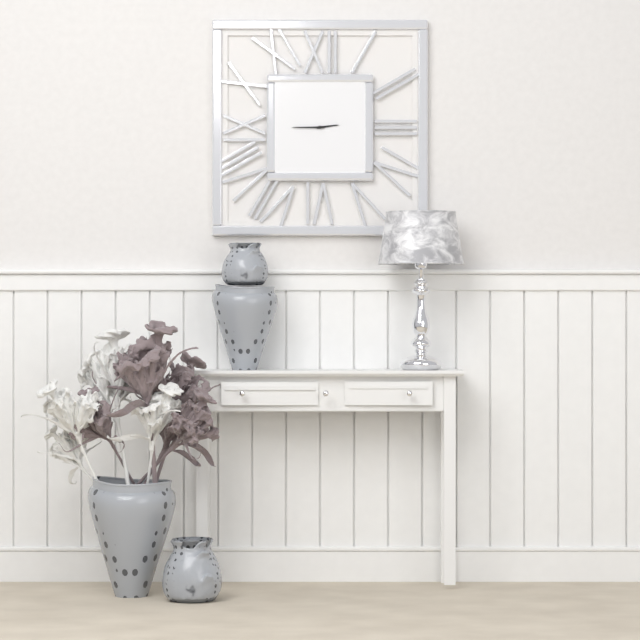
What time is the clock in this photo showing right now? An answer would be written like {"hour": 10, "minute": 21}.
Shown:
{"hour": 2, "minute": 45}
